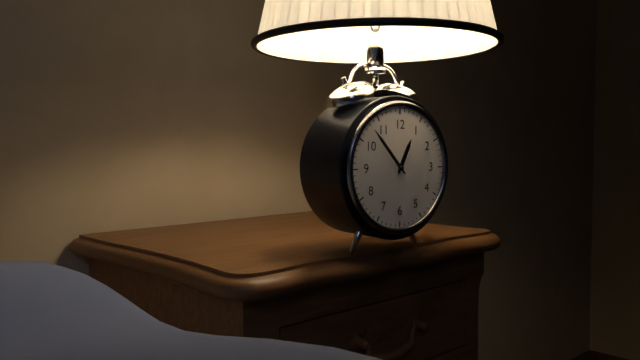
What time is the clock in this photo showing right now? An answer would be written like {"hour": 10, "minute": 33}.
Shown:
{"hour": 12, "minute": 53}
